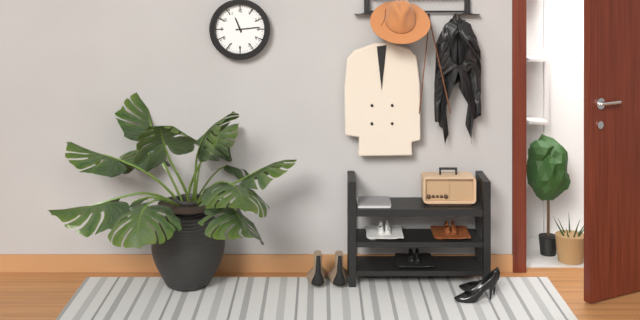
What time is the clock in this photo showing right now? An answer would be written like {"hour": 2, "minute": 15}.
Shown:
{"hour": 11, "minute": 14}
